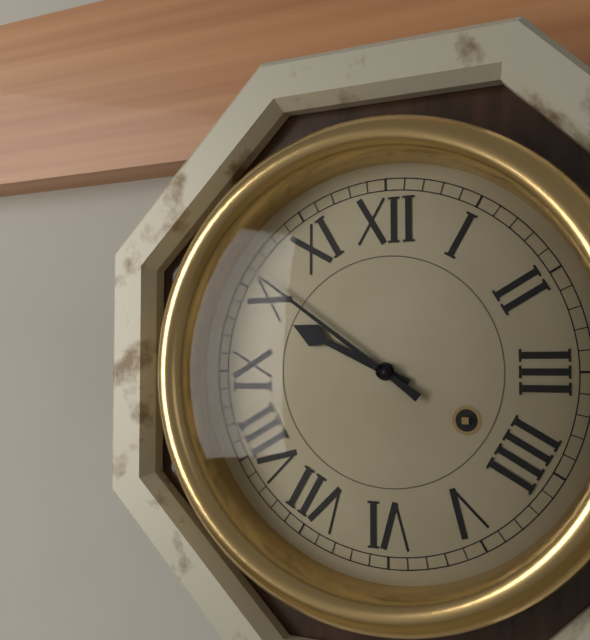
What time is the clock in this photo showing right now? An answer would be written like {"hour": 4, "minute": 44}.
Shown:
{"hour": 9, "minute": 51}
